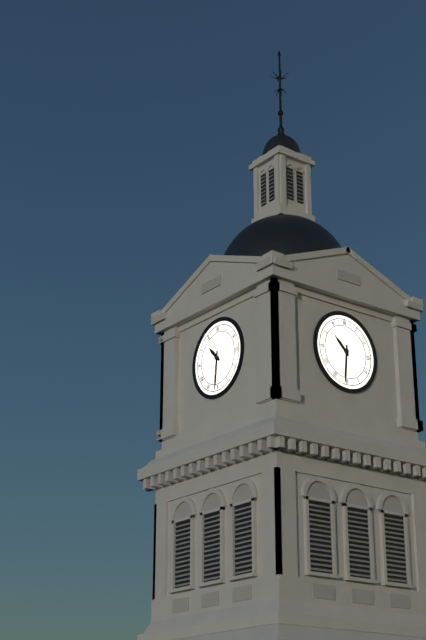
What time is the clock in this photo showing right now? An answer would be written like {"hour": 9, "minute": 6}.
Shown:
{"hour": 10, "minute": 31}
